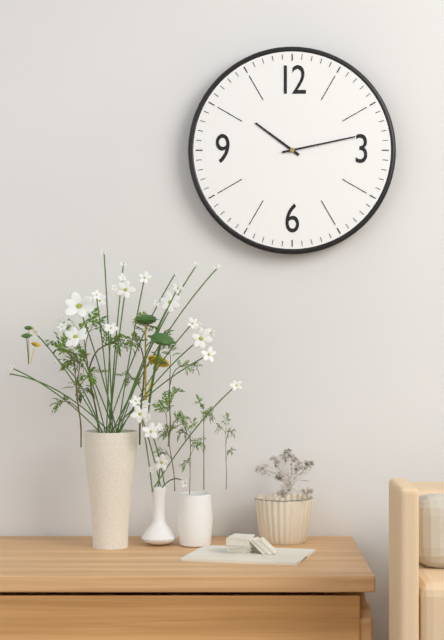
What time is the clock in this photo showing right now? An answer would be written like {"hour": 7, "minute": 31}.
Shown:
{"hour": 10, "minute": 13}
